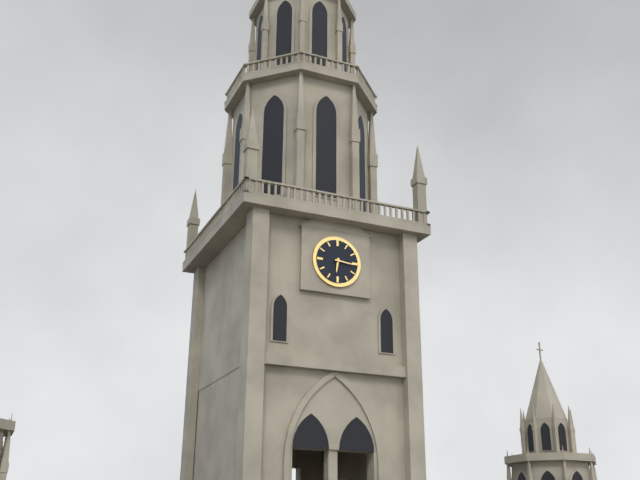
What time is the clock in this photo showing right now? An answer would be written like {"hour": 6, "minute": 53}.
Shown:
{"hour": 6, "minute": 16}
